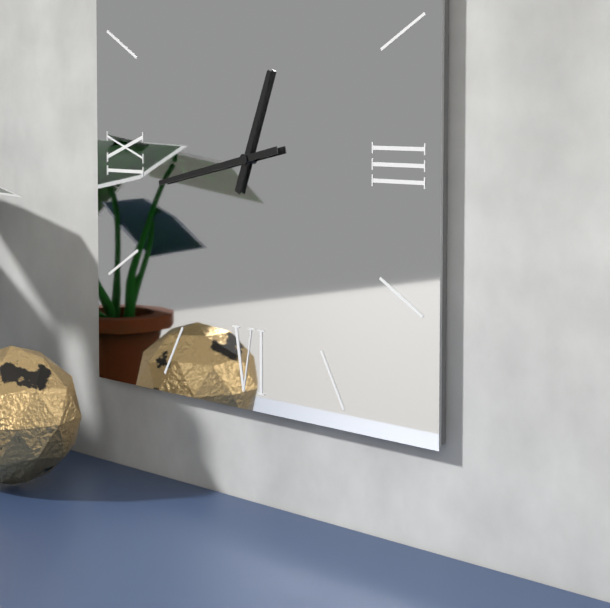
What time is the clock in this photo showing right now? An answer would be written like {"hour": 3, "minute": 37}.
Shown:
{"hour": 12, "minute": 43}
